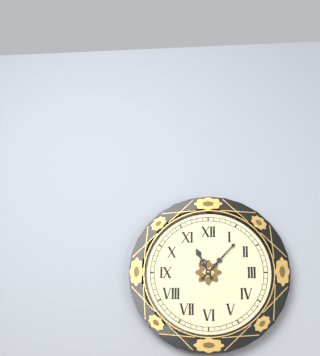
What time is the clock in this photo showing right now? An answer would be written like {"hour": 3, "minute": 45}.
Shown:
{"hour": 11, "minute": 7}
